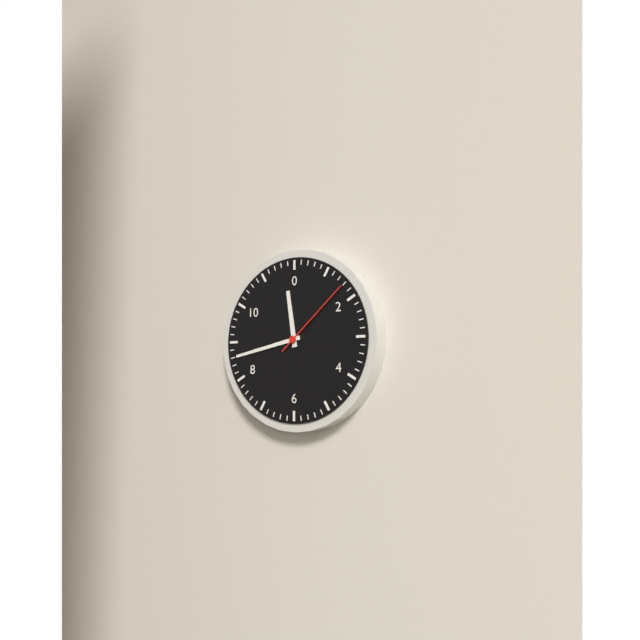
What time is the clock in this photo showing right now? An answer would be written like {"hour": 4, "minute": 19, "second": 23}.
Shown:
{"hour": 11, "minute": 43, "second": 8}
